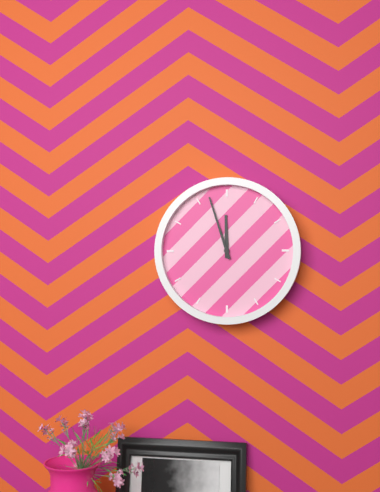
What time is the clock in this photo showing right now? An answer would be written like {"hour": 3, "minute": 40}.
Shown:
{"hour": 11, "minute": 57}
